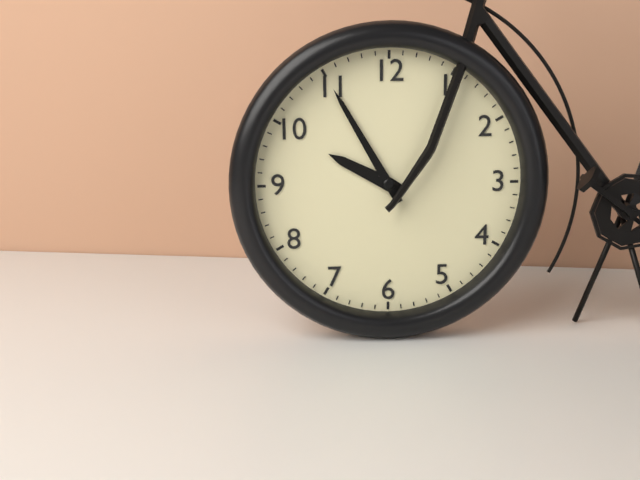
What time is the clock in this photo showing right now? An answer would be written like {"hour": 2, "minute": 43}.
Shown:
{"hour": 9, "minute": 55}
